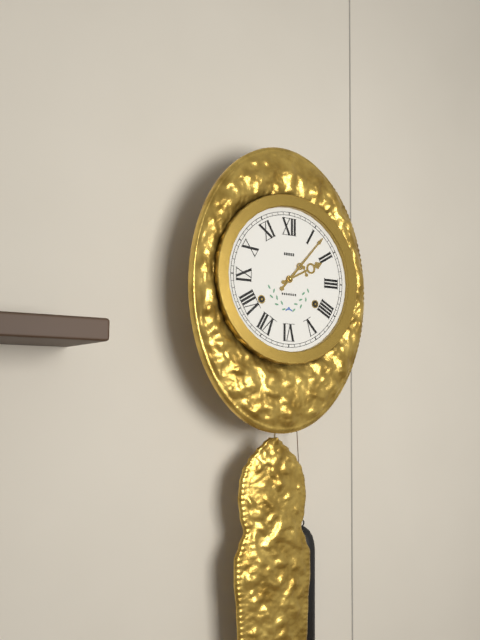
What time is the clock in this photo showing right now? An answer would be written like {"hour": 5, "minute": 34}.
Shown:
{"hour": 2, "minute": 7}
